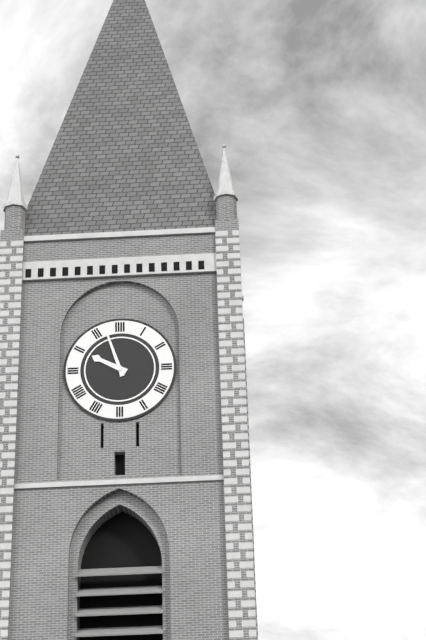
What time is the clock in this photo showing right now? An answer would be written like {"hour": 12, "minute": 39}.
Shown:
{"hour": 9, "minute": 57}
